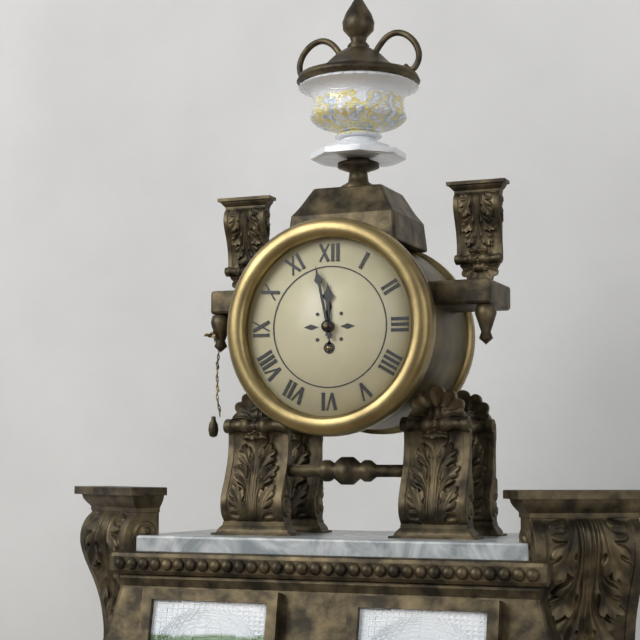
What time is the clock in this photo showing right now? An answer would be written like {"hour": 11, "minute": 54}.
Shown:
{"hour": 11, "minute": 58}
